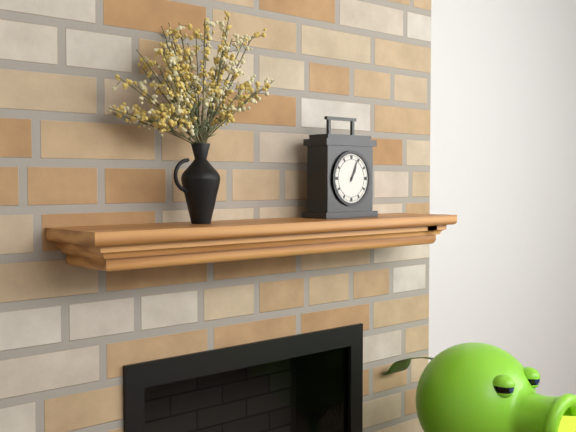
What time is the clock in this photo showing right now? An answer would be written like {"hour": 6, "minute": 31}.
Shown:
{"hour": 1, "minute": 4}
